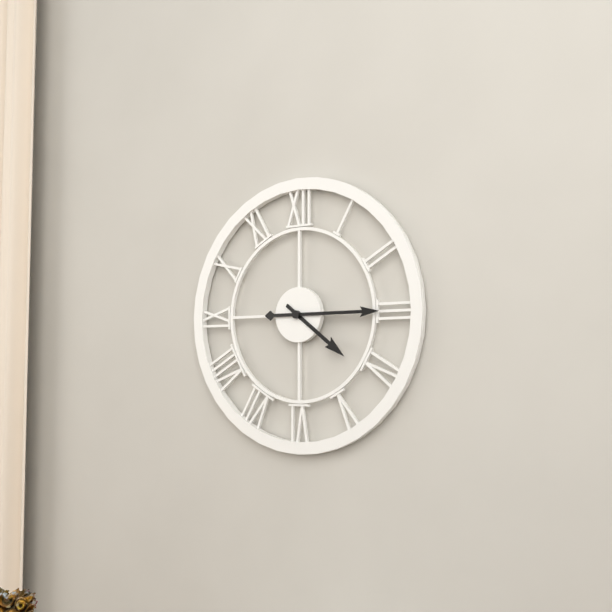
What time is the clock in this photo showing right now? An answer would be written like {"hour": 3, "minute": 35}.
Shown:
{"hour": 4, "minute": 15}
